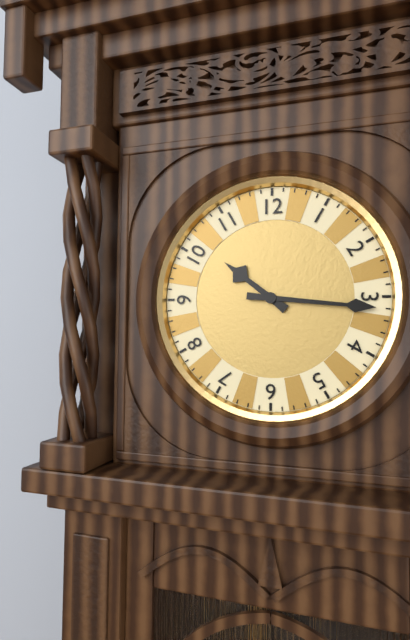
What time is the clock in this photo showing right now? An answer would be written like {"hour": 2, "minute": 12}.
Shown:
{"hour": 10, "minute": 16}
